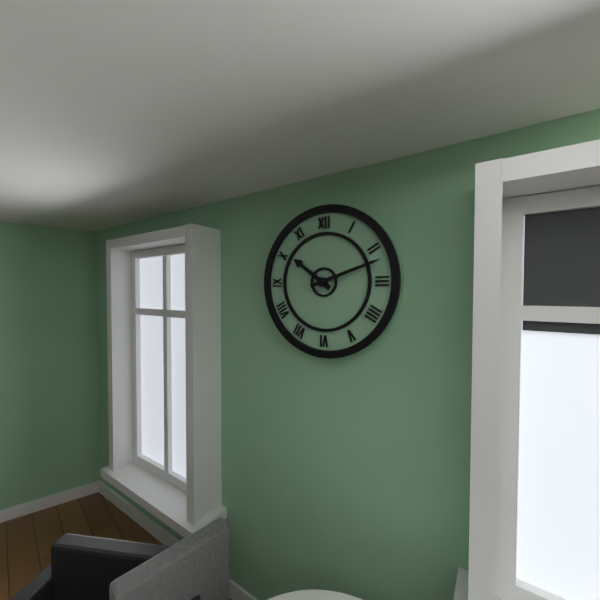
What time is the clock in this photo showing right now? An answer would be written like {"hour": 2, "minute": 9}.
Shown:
{"hour": 10, "minute": 12}
